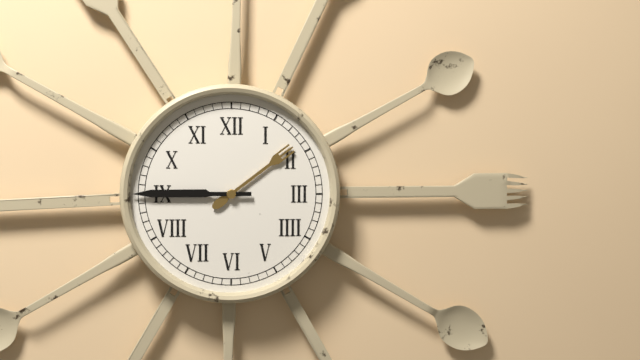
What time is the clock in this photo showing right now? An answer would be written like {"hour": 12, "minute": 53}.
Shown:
{"hour": 1, "minute": 45}
